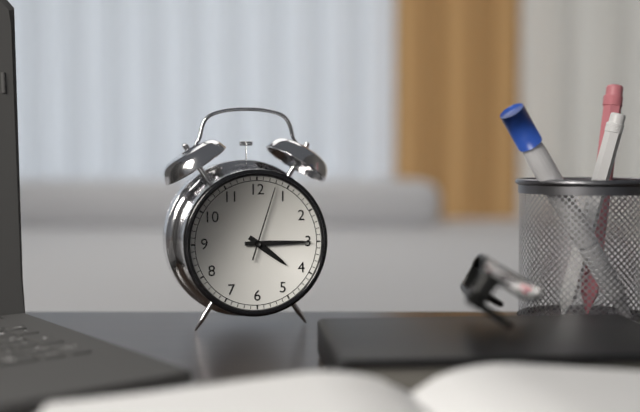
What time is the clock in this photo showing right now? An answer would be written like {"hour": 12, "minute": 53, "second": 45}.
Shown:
{"hour": 4, "minute": 15, "second": 3}
